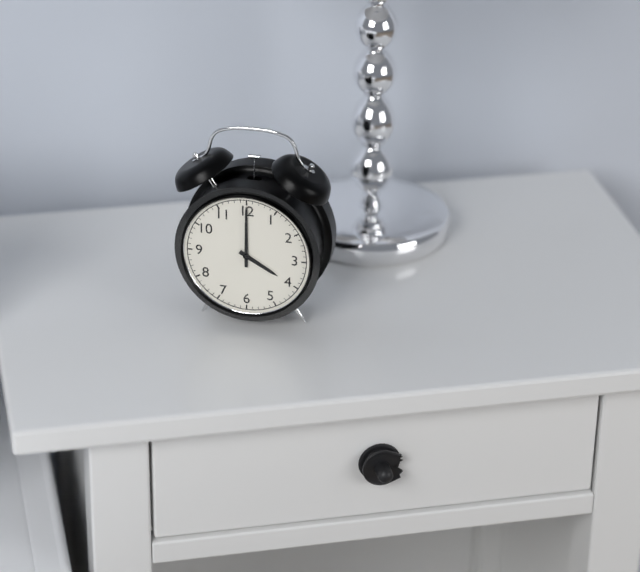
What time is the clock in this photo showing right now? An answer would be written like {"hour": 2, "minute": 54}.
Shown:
{"hour": 4, "minute": 0}
